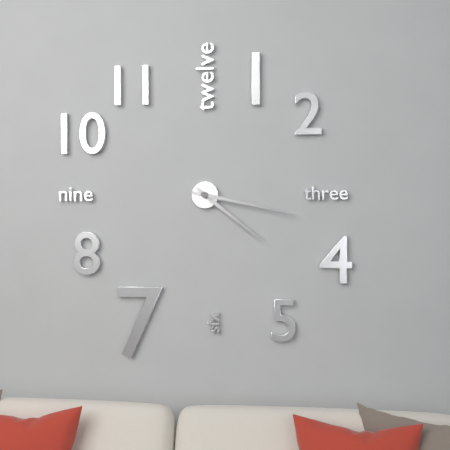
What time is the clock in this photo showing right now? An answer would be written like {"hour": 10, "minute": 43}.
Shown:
{"hour": 4, "minute": 17}
